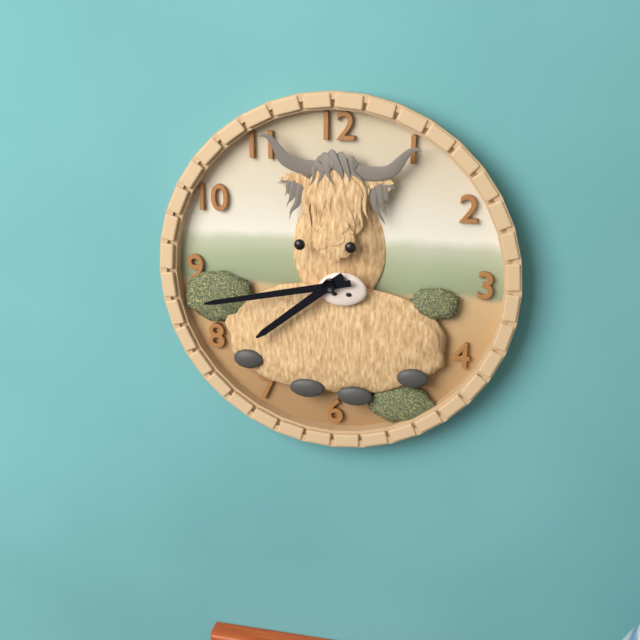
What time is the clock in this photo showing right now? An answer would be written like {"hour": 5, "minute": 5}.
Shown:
{"hour": 7, "minute": 43}
